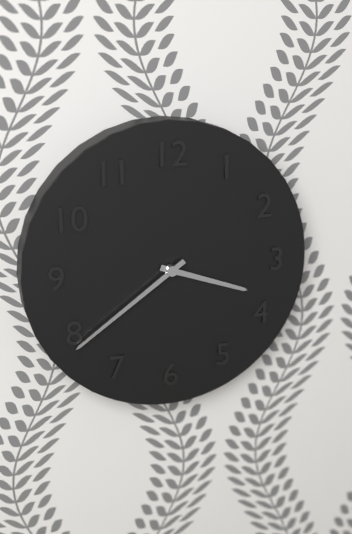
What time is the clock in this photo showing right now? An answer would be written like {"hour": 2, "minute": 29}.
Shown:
{"hour": 3, "minute": 39}
